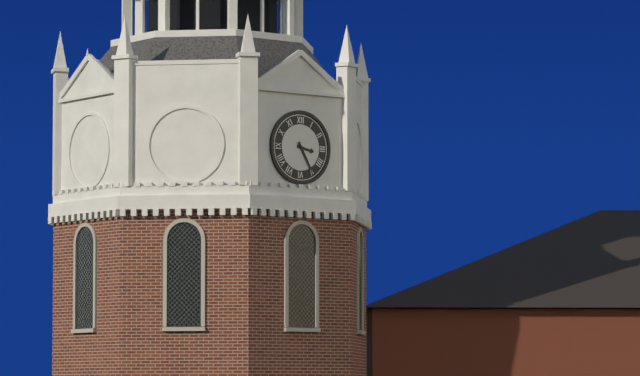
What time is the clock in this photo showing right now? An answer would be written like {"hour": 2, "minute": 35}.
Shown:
{"hour": 3, "minute": 25}
